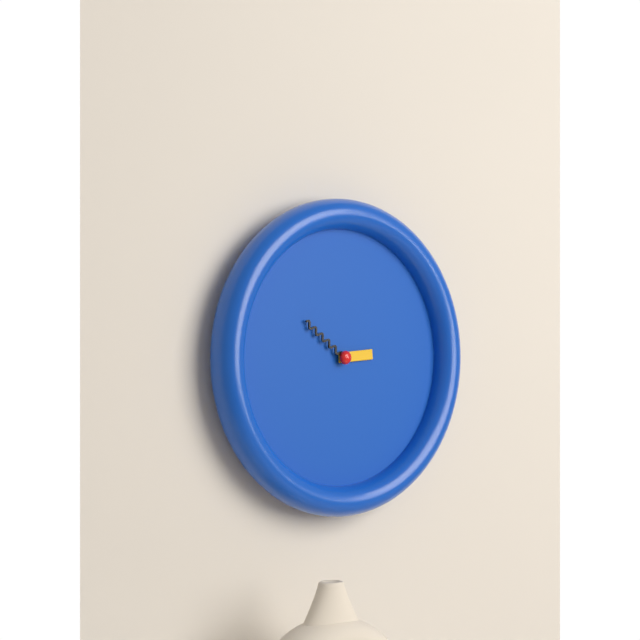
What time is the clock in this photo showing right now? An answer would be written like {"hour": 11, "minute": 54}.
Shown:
{"hour": 2, "minute": 51}
